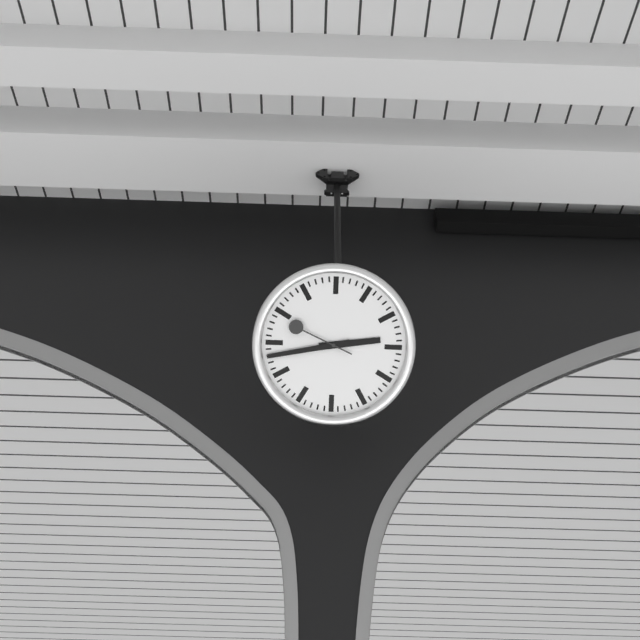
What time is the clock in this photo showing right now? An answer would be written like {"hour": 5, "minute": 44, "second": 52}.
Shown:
{"hour": 2, "minute": 43, "second": 49}
